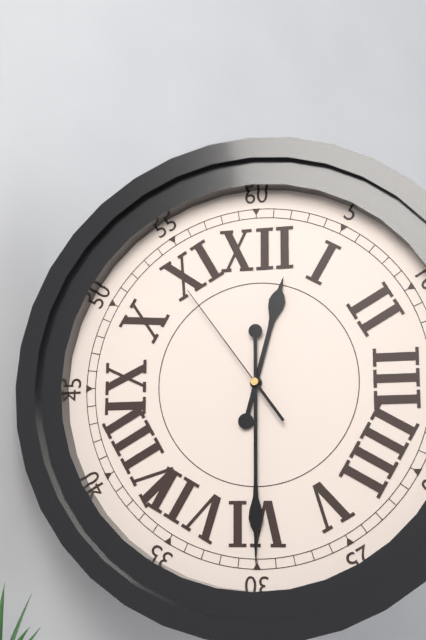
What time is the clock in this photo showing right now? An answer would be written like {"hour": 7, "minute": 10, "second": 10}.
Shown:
{"hour": 12, "minute": 30, "second": 54}
